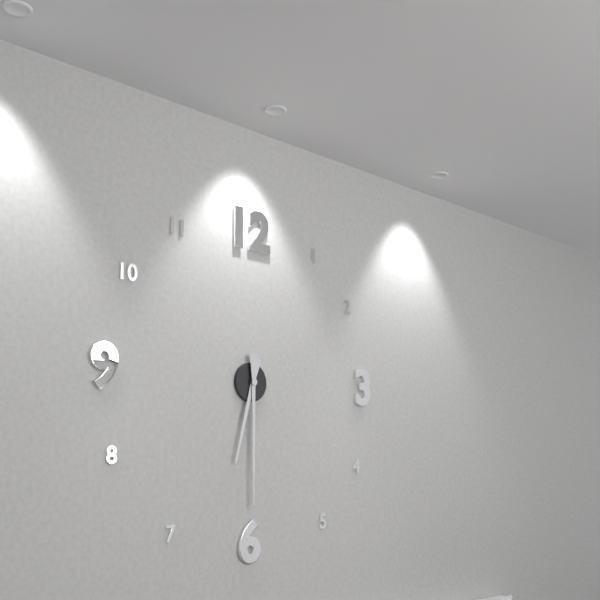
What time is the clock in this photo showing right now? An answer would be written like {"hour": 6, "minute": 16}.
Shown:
{"hour": 6, "minute": 30}
